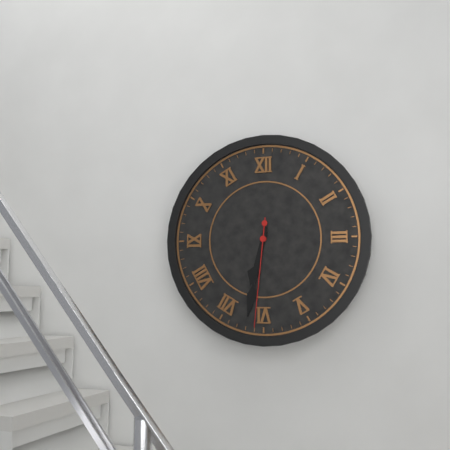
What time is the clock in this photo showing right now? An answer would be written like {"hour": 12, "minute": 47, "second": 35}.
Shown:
{"hour": 6, "minute": 32, "second": 31}
